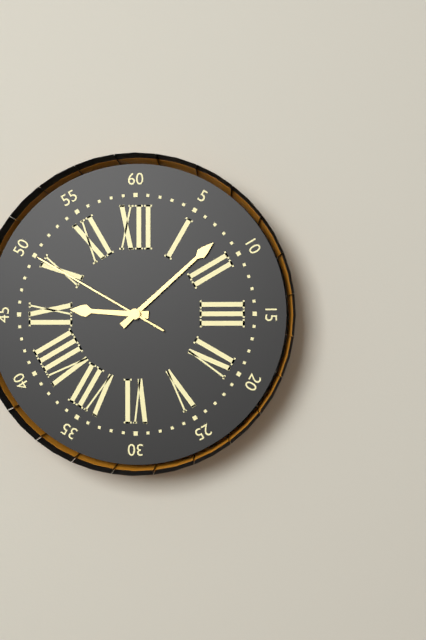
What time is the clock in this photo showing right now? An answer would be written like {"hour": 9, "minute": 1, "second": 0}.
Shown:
{"hour": 9, "minute": 8, "second": 50}
